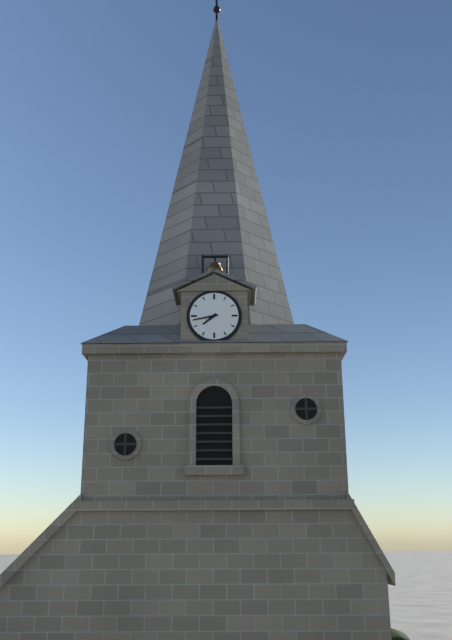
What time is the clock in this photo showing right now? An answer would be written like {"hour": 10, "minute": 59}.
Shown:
{"hour": 7, "minute": 43}
